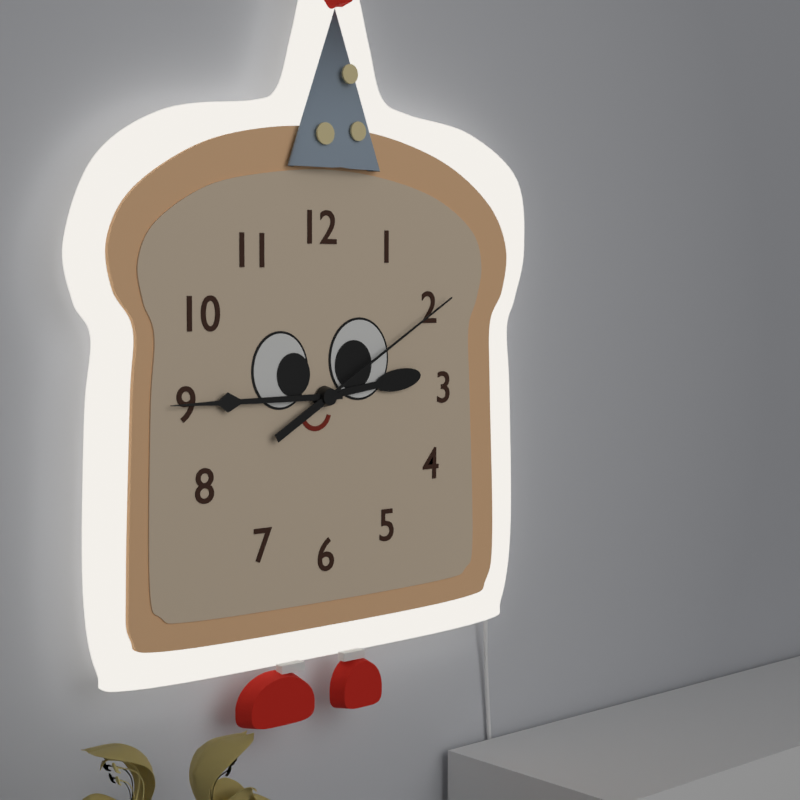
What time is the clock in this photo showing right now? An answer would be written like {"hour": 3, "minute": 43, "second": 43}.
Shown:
{"hour": 2, "minute": 45, "second": 10}
